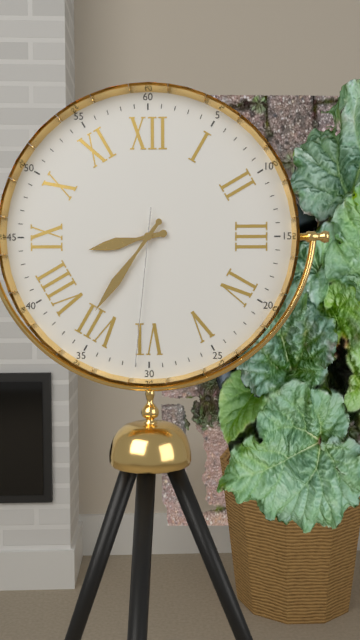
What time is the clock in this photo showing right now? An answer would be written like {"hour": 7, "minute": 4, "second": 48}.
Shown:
{"hour": 8, "minute": 36, "second": 31}
